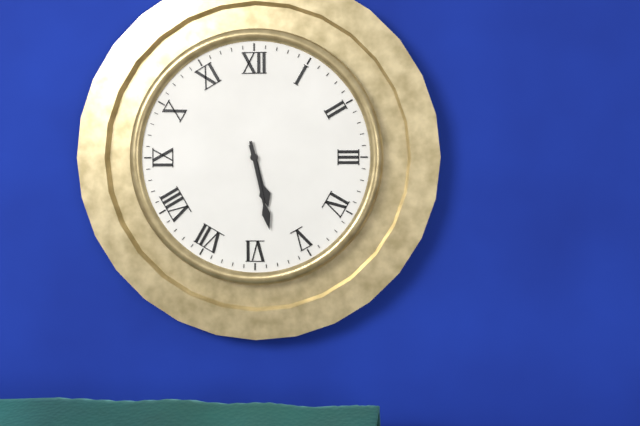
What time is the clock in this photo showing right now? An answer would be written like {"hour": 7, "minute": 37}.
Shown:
{"hour": 5, "minute": 28}
